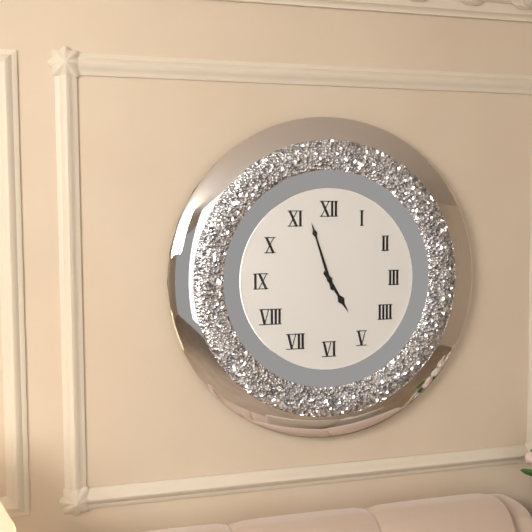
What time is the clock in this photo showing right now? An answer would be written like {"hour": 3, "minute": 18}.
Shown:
{"hour": 4, "minute": 57}
